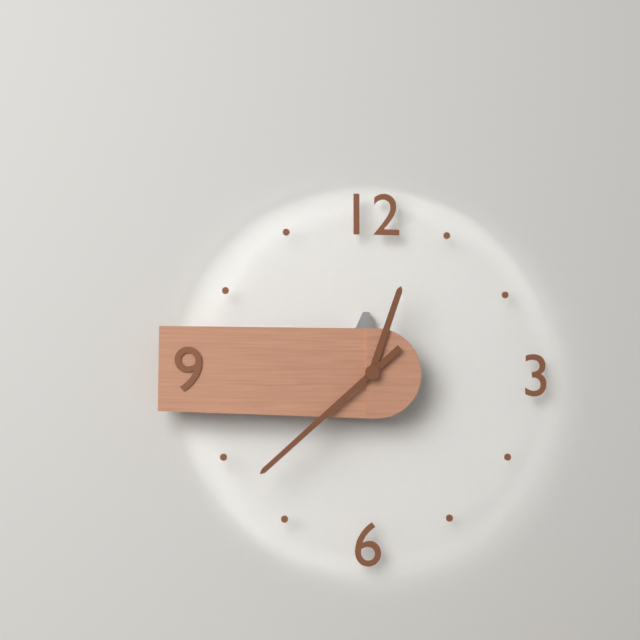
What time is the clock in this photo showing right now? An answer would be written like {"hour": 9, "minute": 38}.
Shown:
{"hour": 12, "minute": 38}
